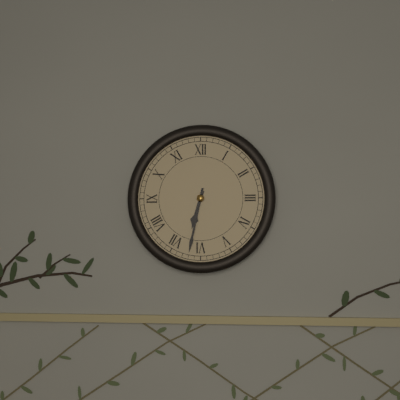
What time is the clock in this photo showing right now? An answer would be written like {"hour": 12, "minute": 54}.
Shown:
{"hour": 6, "minute": 32}
